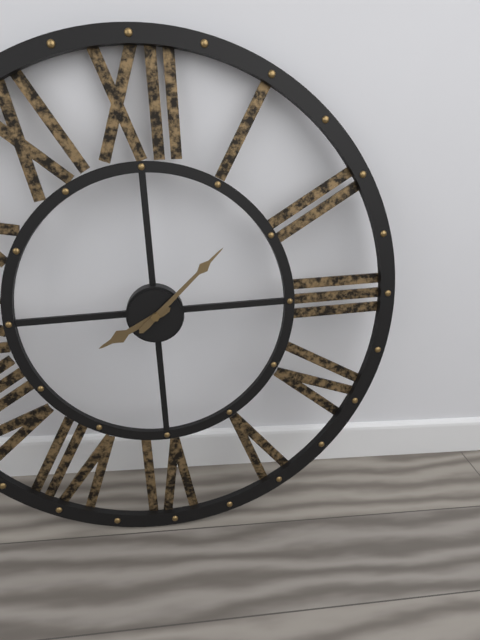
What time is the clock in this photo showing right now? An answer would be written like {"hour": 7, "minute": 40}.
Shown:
{"hour": 8, "minute": 8}
